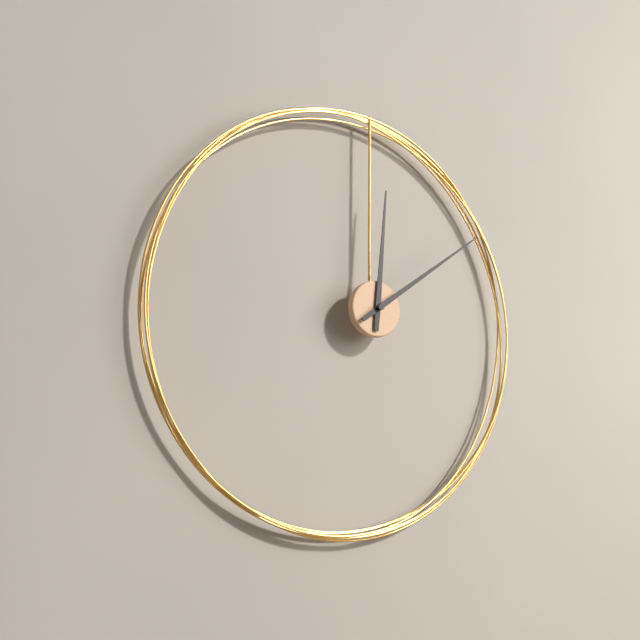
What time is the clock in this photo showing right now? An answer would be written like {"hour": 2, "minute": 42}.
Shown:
{"hour": 12, "minute": 9}
